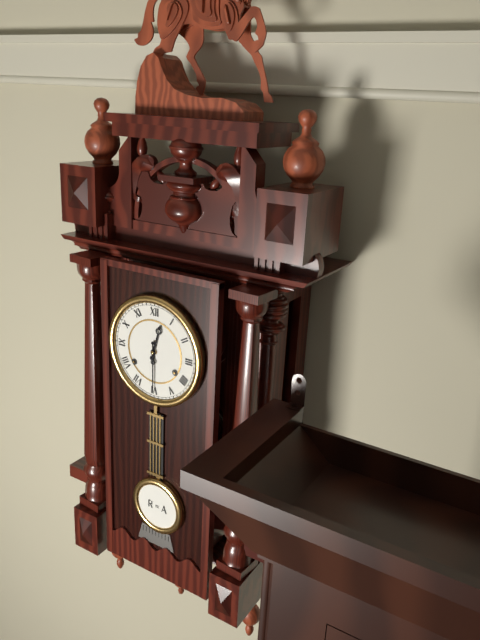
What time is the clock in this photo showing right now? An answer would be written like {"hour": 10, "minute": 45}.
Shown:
{"hour": 12, "minute": 30}
